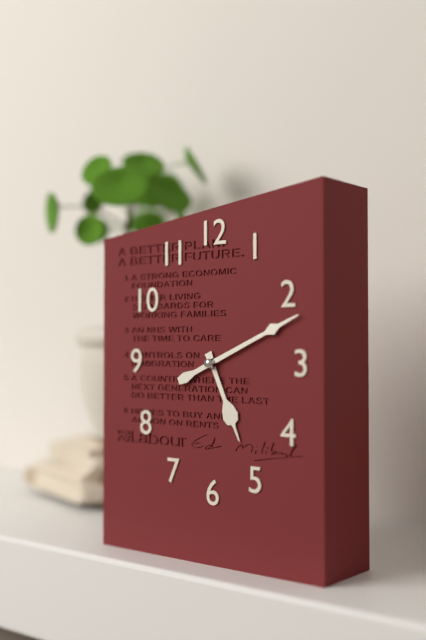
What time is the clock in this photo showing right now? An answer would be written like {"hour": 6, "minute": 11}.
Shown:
{"hour": 5, "minute": 11}
